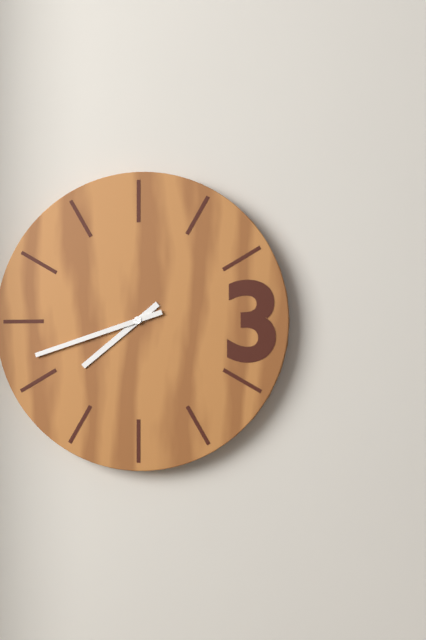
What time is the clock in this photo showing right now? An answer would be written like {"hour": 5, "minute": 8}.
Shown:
{"hour": 7, "minute": 42}
